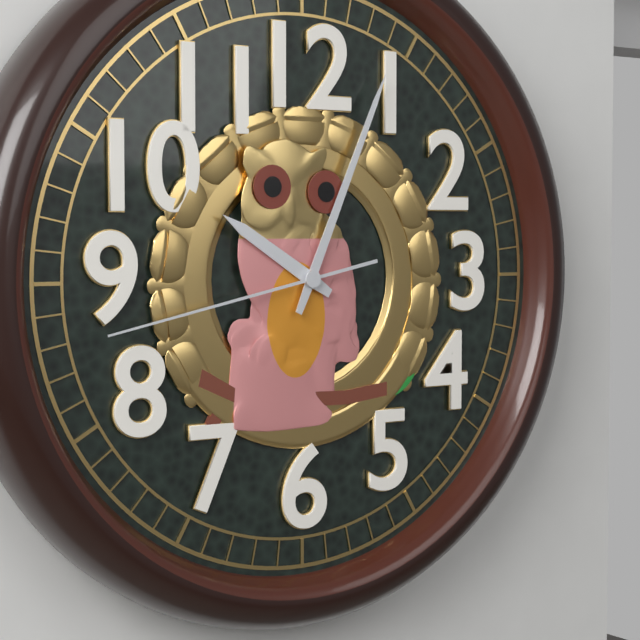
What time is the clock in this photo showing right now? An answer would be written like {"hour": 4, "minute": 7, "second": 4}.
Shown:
{"hour": 10, "minute": 4, "second": 43}
